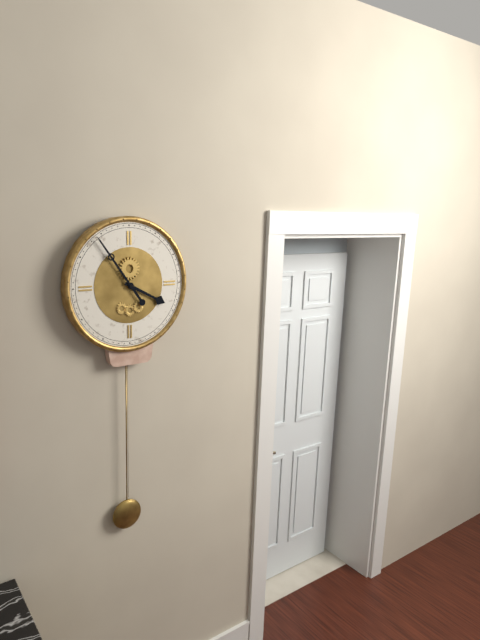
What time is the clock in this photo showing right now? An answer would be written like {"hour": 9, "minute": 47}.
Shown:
{"hour": 3, "minute": 54}
